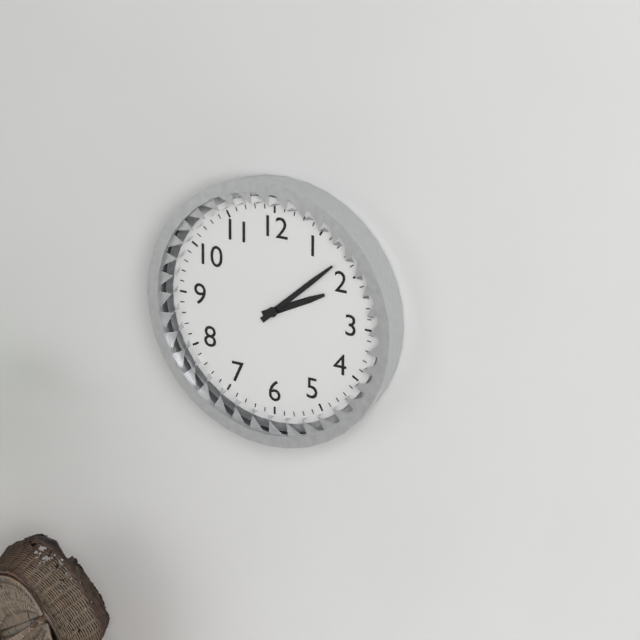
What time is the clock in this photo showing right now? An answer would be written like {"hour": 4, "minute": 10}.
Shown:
{"hour": 2, "minute": 8}
